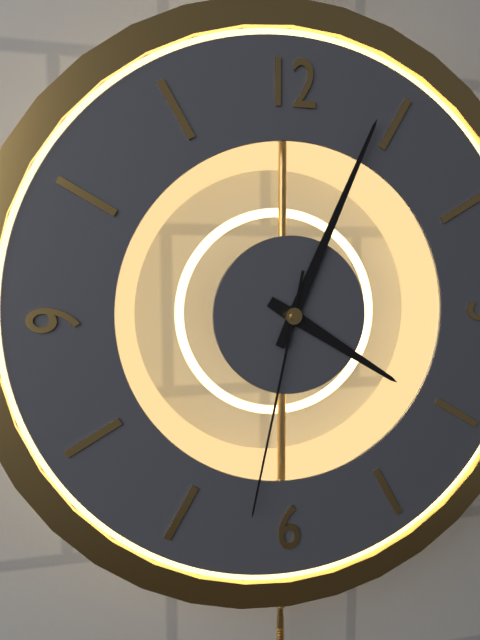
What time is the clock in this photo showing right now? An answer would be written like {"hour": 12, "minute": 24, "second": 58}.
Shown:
{"hour": 4, "minute": 4, "second": 32}
